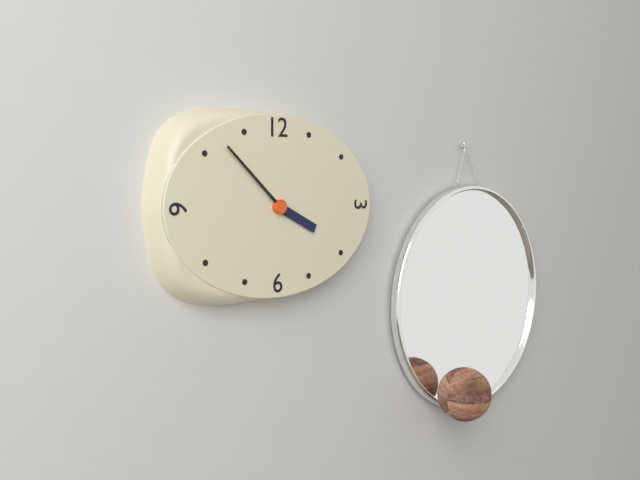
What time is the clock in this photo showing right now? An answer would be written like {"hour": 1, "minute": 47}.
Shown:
{"hour": 3, "minute": 52}
